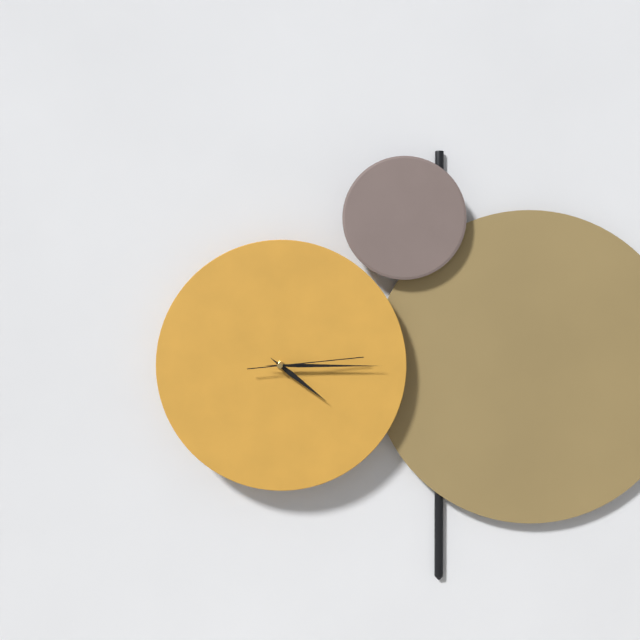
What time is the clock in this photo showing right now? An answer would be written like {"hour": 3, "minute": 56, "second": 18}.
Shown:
{"hour": 4, "minute": 15, "second": 14}
